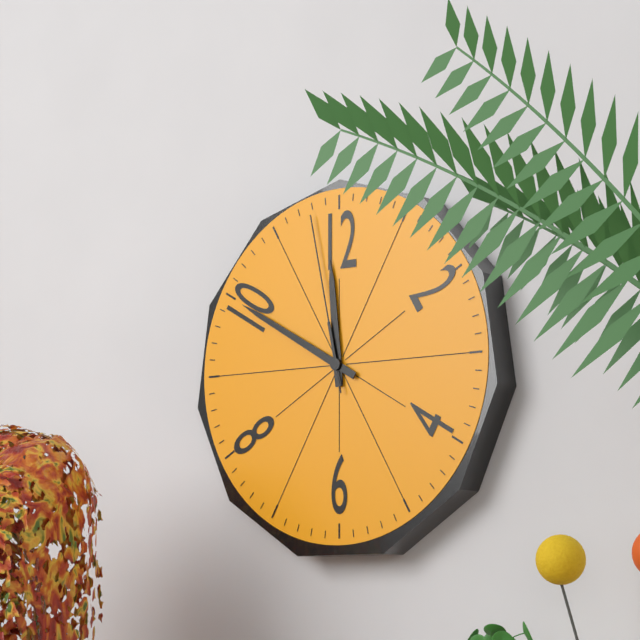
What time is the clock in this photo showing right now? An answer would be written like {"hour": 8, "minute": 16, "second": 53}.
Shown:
{"hour": 11, "minute": 50, "second": 58}
